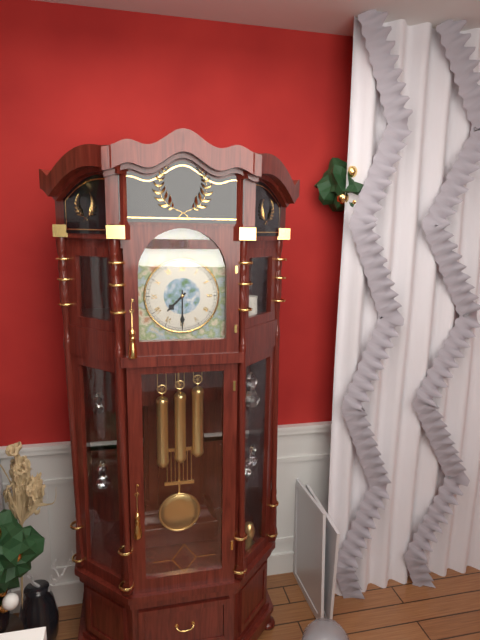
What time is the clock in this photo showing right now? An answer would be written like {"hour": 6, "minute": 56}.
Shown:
{"hour": 7, "minute": 30}
